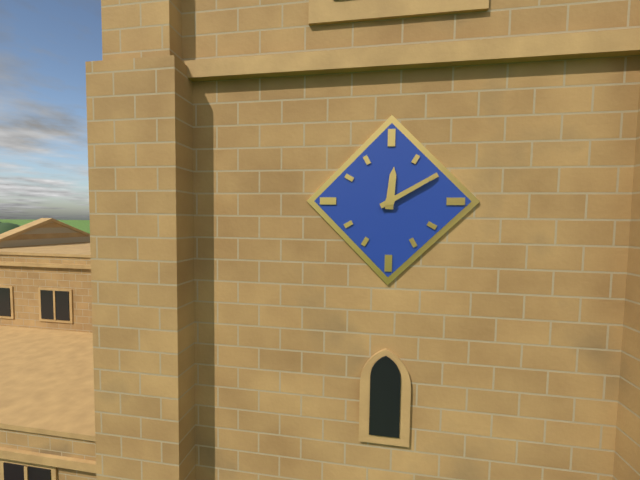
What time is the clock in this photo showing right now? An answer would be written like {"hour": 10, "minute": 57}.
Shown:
{"hour": 12, "minute": 10}
